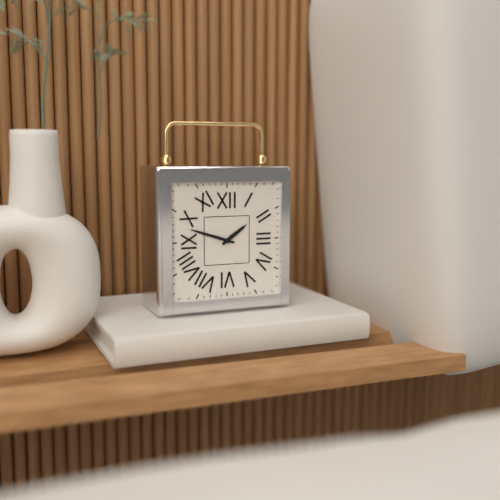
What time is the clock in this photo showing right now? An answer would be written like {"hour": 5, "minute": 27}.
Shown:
{"hour": 1, "minute": 48}
